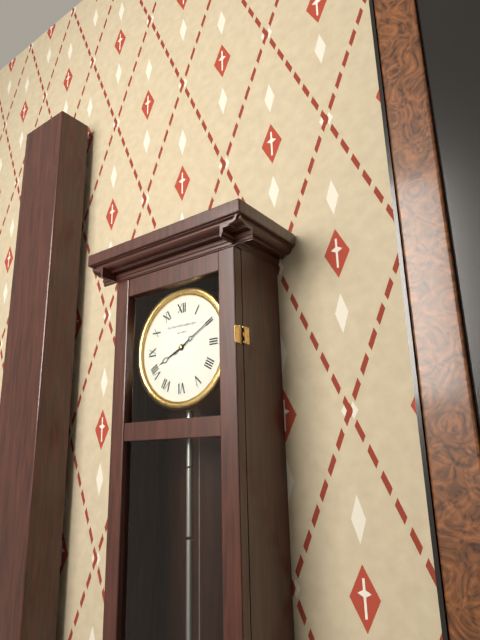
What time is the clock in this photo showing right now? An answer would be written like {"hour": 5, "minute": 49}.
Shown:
{"hour": 8, "minute": 10}
